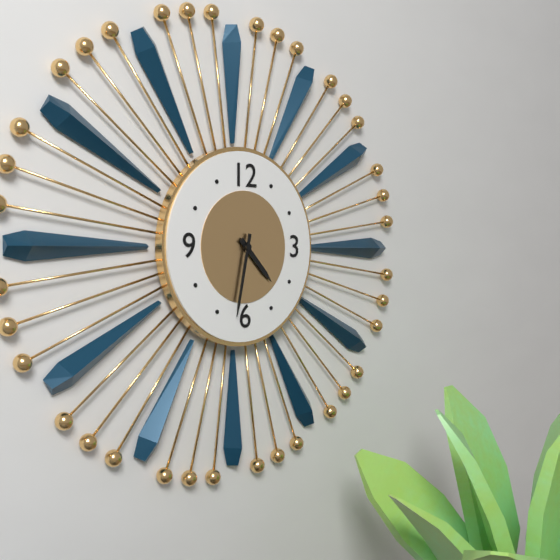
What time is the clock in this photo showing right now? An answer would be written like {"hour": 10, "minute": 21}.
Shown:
{"hour": 4, "minute": 32}
